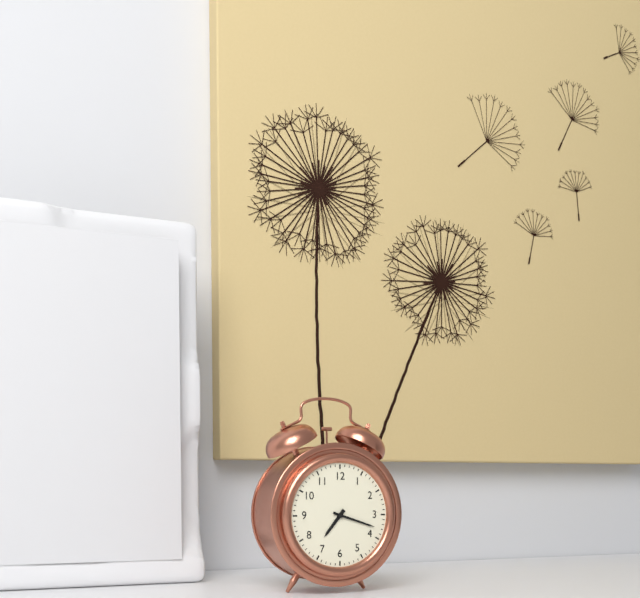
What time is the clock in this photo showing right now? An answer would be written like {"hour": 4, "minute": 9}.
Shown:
{"hour": 7, "minute": 18}
